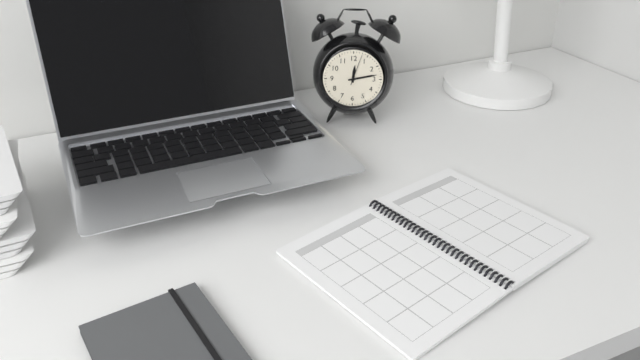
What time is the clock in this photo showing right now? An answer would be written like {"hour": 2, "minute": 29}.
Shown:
{"hour": 12, "minute": 13}
